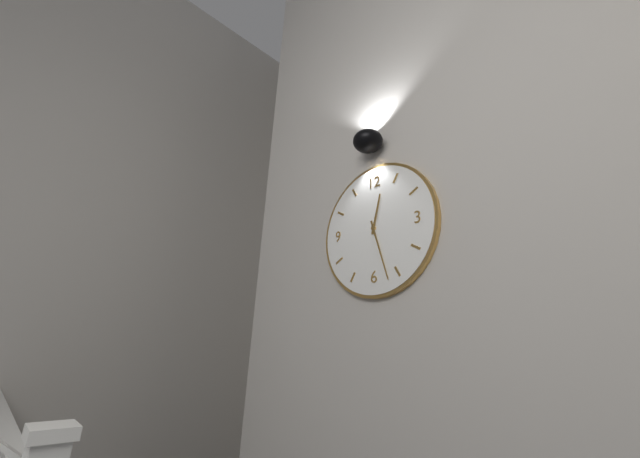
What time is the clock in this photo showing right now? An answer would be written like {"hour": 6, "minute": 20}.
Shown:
{"hour": 12, "minute": 27}
